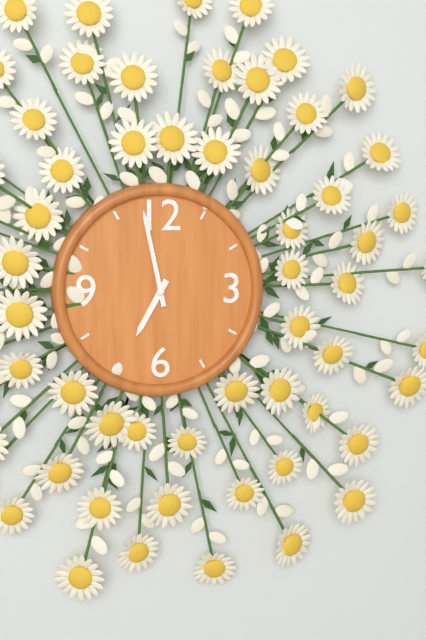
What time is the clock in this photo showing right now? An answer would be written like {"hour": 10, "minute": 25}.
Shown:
{"hour": 6, "minute": 58}
